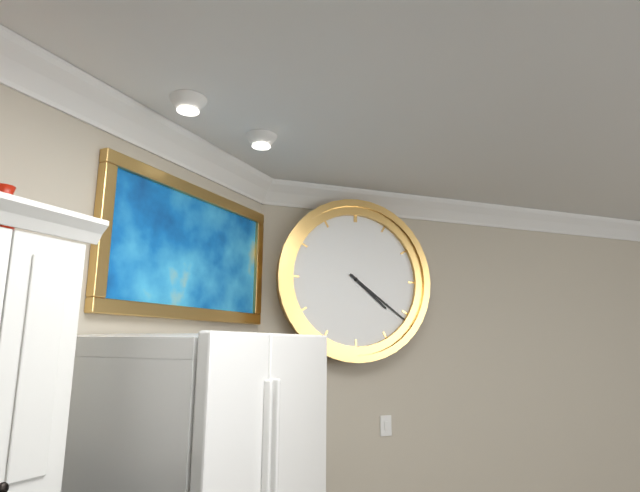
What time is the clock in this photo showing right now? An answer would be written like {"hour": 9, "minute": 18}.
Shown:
{"hour": 4, "minute": 21}
